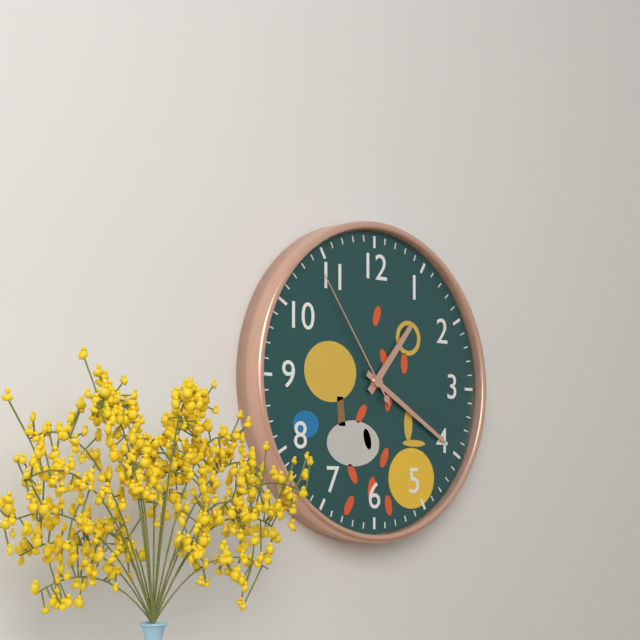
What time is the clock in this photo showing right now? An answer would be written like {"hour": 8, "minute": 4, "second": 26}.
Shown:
{"hour": 1, "minute": 20, "second": 54}
